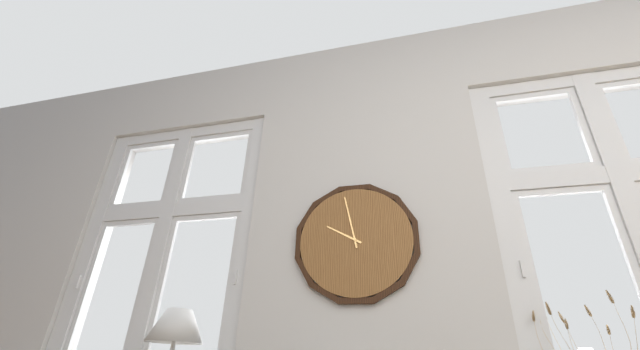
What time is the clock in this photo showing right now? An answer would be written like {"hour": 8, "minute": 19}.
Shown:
{"hour": 9, "minute": 58}
